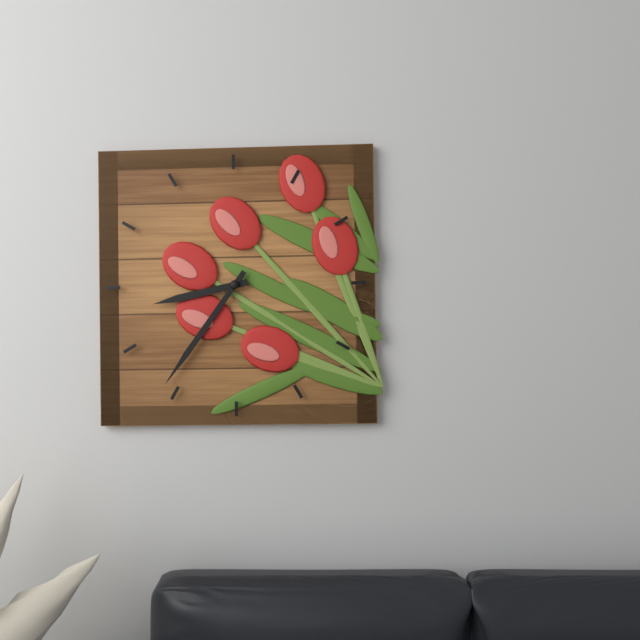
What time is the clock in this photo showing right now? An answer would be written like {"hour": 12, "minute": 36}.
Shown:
{"hour": 8, "minute": 36}
